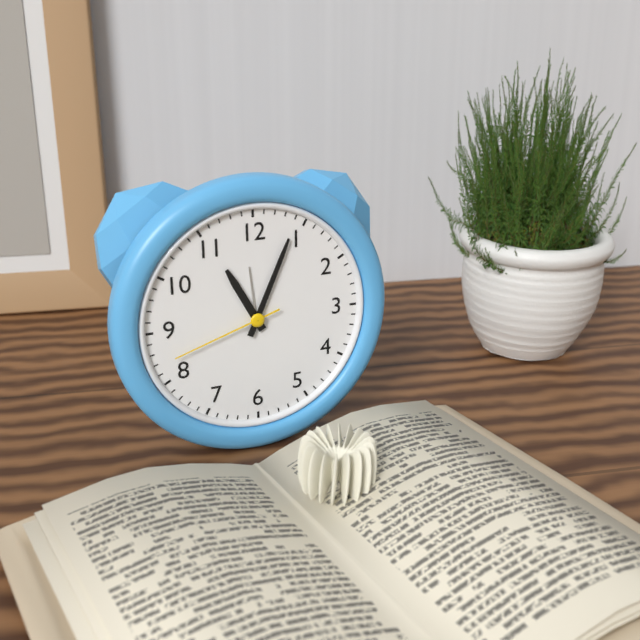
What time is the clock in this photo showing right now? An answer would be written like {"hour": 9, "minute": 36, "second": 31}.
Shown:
{"hour": 11, "minute": 4, "second": 42}
